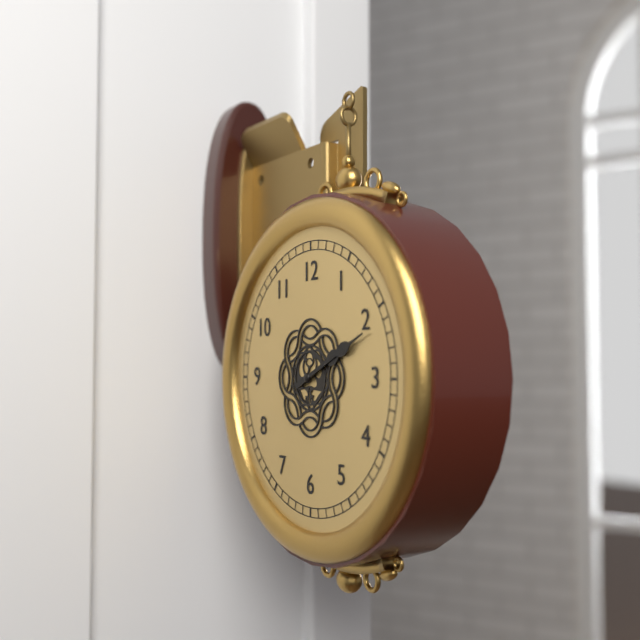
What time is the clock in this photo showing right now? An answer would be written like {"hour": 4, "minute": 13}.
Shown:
{"hour": 2, "minute": 11}
